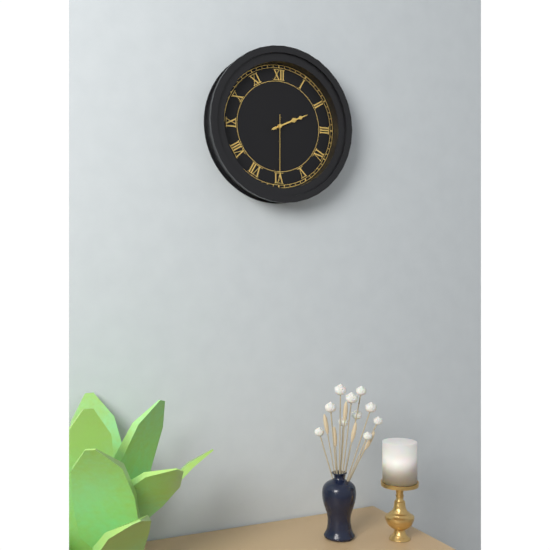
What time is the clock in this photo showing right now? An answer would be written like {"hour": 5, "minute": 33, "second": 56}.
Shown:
{"hour": 2, "minute": 11, "second": 30}
